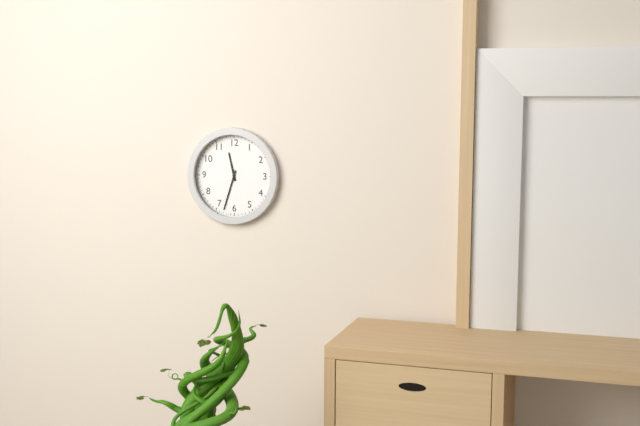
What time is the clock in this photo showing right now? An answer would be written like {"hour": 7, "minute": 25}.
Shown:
{"hour": 11, "minute": 33}
